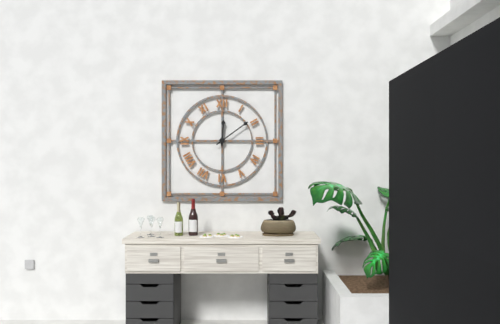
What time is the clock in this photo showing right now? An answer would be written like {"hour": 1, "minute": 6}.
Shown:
{"hour": 12, "minute": 9}
